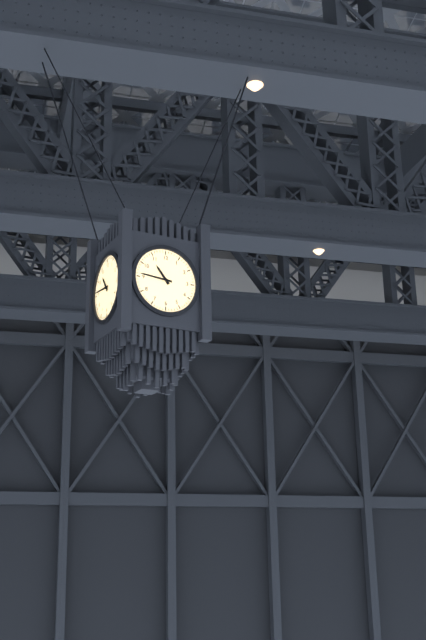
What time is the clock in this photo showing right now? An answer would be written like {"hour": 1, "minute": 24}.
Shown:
{"hour": 10, "minute": 46}
